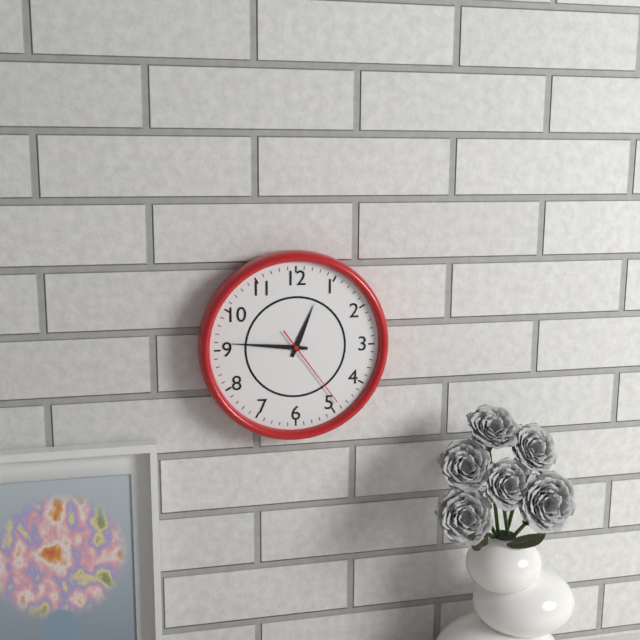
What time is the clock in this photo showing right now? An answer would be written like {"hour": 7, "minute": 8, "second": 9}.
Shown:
{"hour": 12, "minute": 46, "second": 24}
